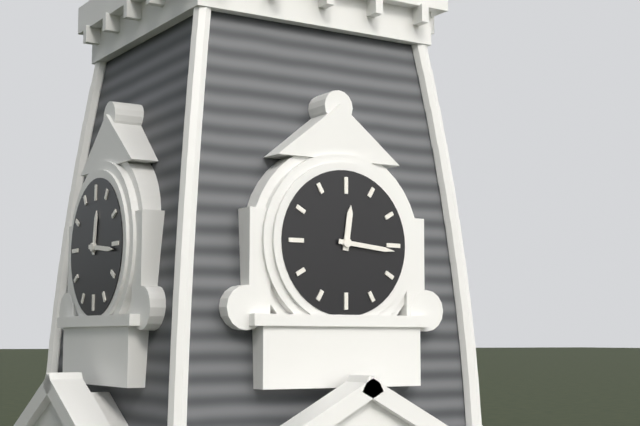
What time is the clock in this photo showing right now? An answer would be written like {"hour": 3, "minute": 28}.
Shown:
{"hour": 12, "minute": 16}
